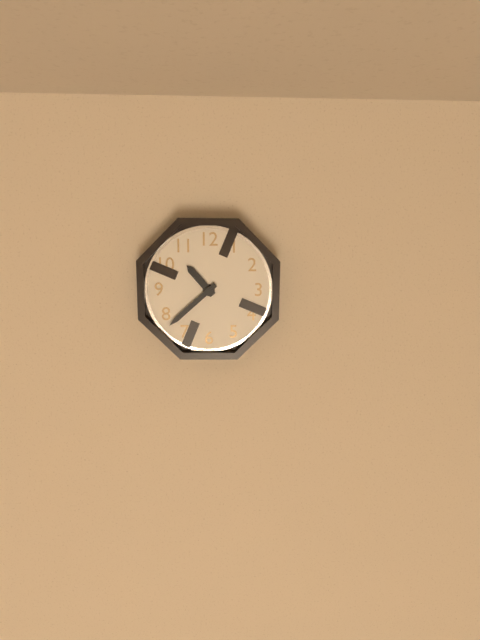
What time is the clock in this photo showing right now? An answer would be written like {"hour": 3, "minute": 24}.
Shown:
{"hour": 10, "minute": 38}
